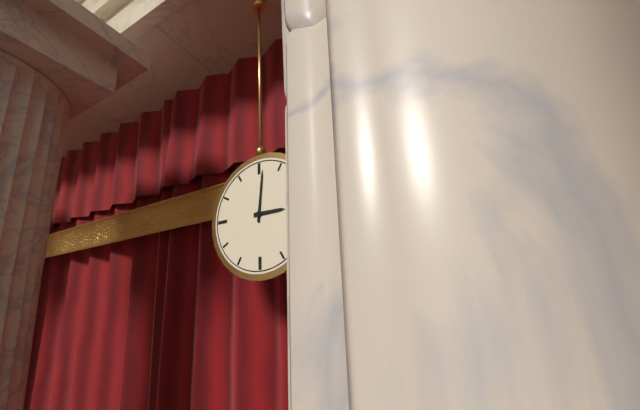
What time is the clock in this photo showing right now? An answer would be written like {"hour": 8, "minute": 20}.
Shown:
{"hour": 3, "minute": 1}
